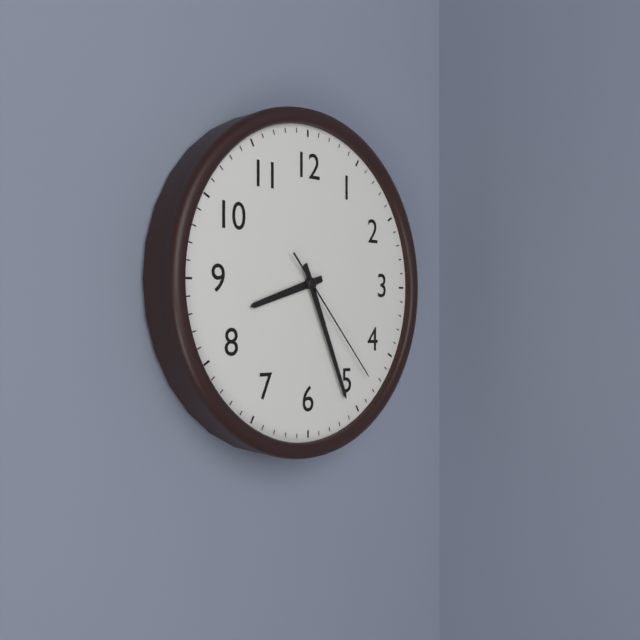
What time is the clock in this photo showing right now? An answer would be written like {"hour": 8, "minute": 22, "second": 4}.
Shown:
{"hour": 8, "minute": 26, "second": 23}
